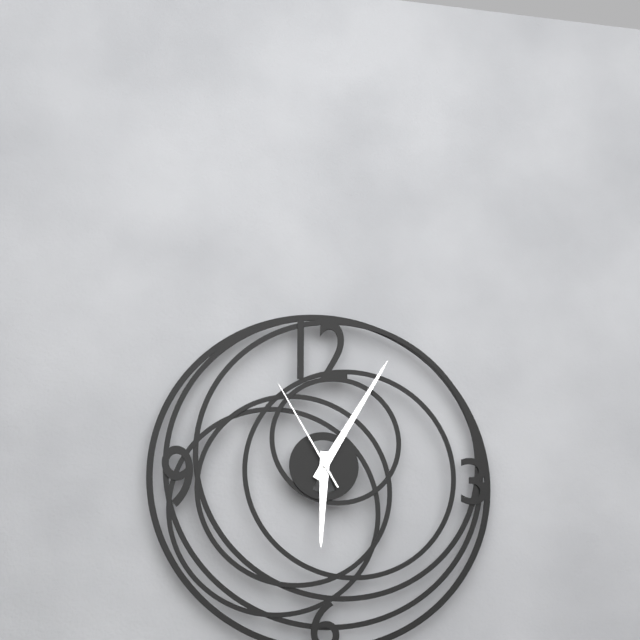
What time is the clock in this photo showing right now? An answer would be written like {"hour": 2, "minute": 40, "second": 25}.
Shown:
{"hour": 6, "minute": 5, "second": 55}
